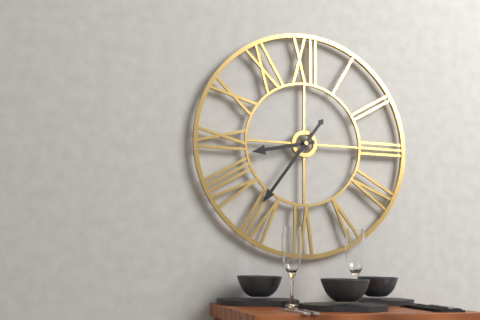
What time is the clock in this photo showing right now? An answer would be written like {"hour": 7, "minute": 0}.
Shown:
{"hour": 8, "minute": 36}
